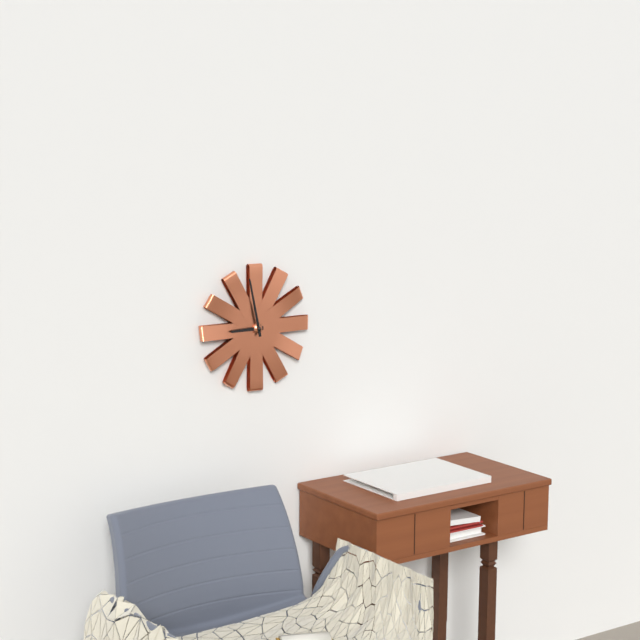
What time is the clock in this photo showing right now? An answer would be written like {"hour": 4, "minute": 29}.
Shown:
{"hour": 8, "minute": 58}
